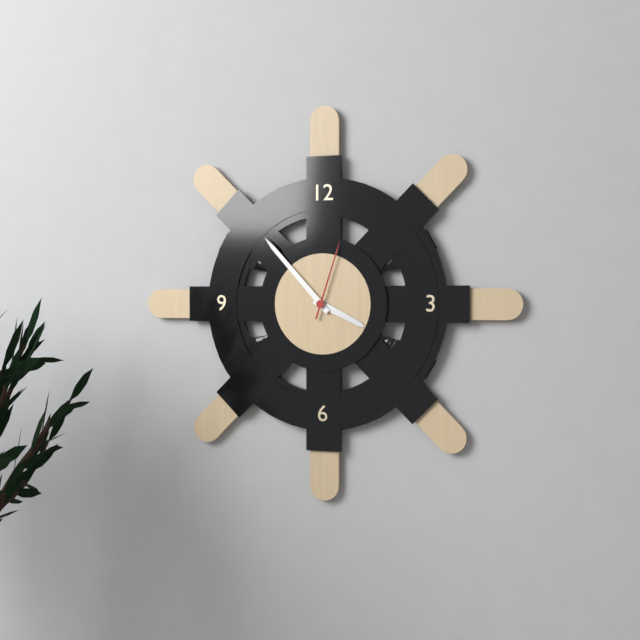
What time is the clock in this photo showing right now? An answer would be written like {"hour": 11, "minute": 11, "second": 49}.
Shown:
{"hour": 3, "minute": 53, "second": 3}
